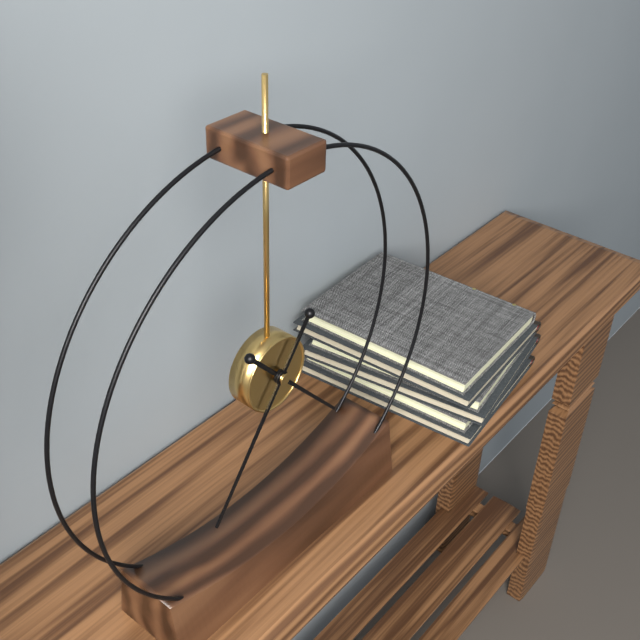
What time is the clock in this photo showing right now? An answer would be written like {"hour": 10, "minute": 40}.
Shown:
{"hour": 4, "minute": 36}
